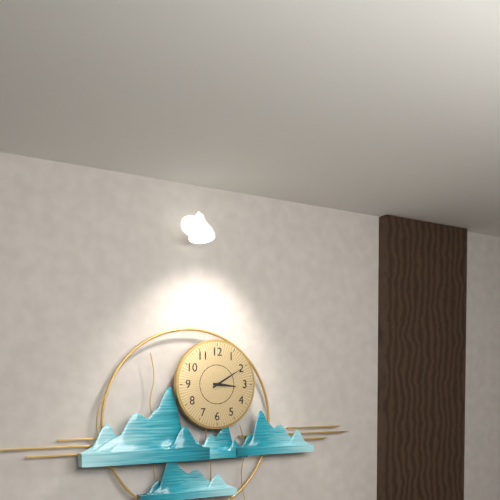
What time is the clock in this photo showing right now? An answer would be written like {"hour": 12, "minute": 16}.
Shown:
{"hour": 3, "minute": 10}
